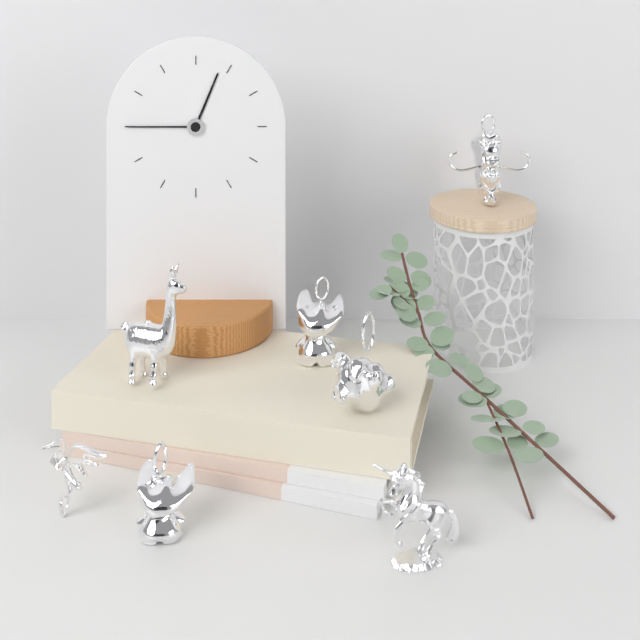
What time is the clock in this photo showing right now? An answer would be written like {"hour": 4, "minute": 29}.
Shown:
{"hour": 12, "minute": 45}
